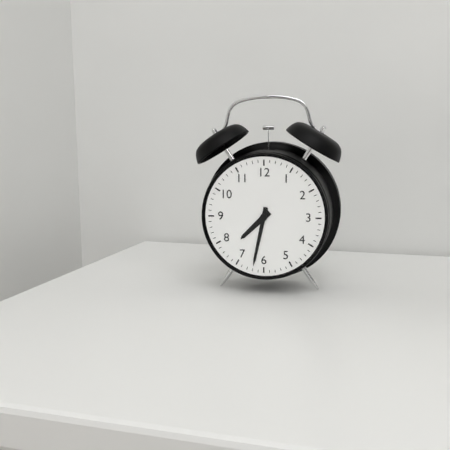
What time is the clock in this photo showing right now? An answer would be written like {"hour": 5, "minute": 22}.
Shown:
{"hour": 7, "minute": 32}
